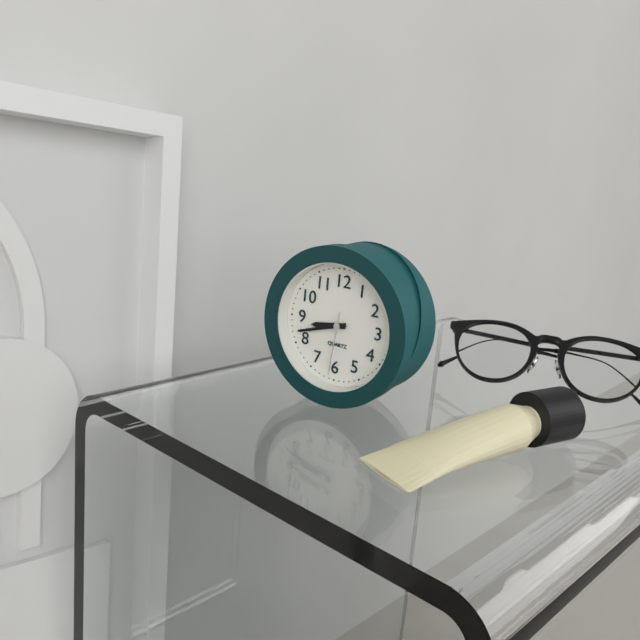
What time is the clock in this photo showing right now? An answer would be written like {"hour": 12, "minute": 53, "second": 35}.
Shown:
{"hour": 8, "minute": 42, "second": 31}
